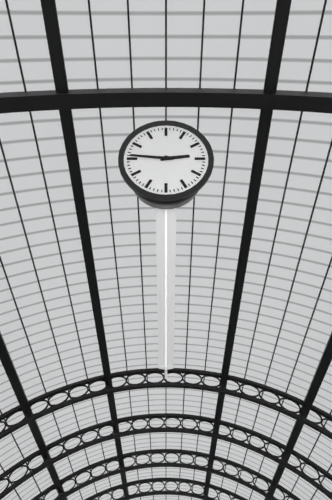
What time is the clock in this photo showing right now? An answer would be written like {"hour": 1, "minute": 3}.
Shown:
{"hour": 2, "minute": 46}
